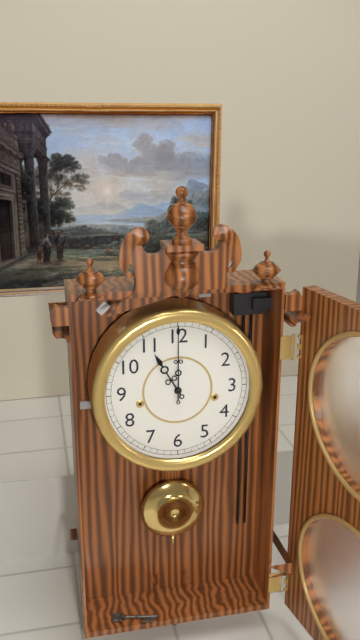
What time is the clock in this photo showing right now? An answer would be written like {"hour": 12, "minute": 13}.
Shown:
{"hour": 11, "minute": 0}
